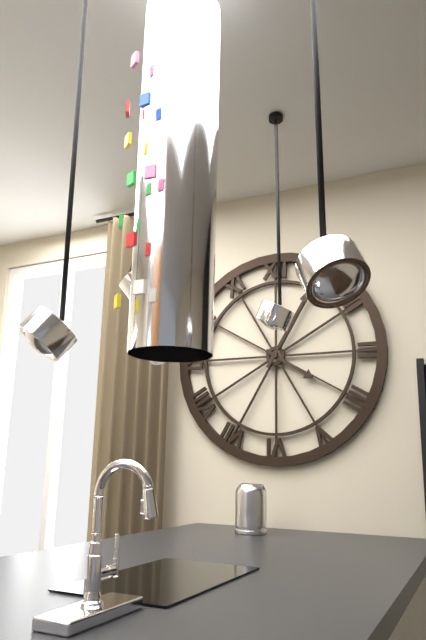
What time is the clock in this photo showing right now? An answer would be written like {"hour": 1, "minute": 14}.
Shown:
{"hour": 4, "minute": 5}
